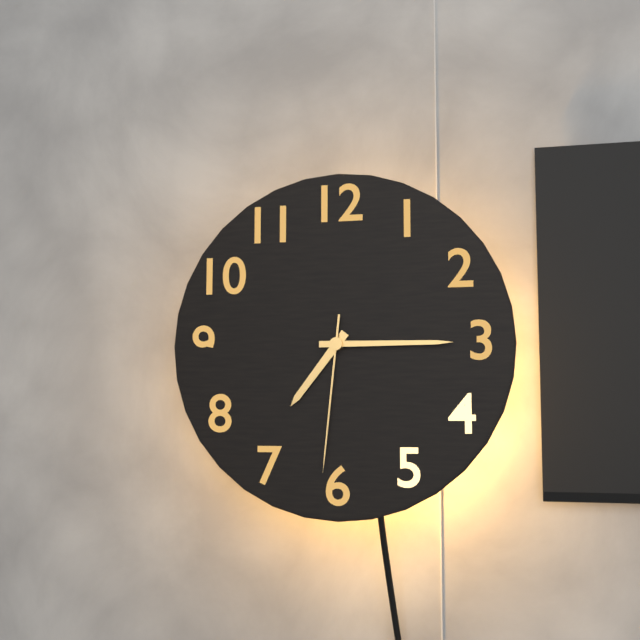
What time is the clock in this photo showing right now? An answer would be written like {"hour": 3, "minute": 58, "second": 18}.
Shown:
{"hour": 7, "minute": 15, "second": 31}
